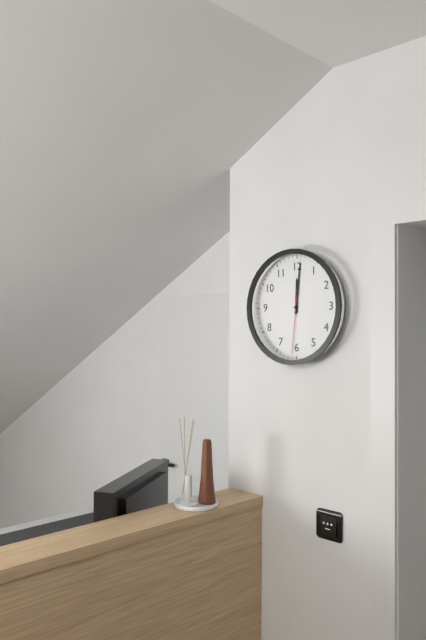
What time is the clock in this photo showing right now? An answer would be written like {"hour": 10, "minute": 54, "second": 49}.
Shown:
{"hour": 12, "minute": 1, "second": 31}
